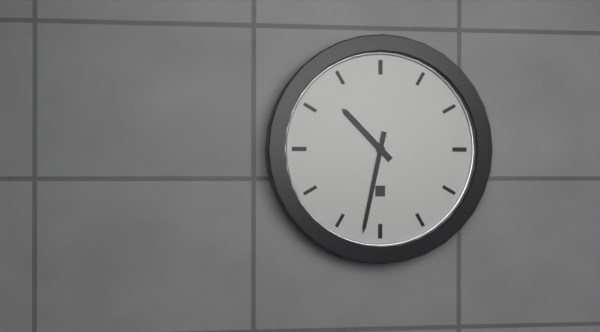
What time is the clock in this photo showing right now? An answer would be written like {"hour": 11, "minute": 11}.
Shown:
{"hour": 10, "minute": 32}
